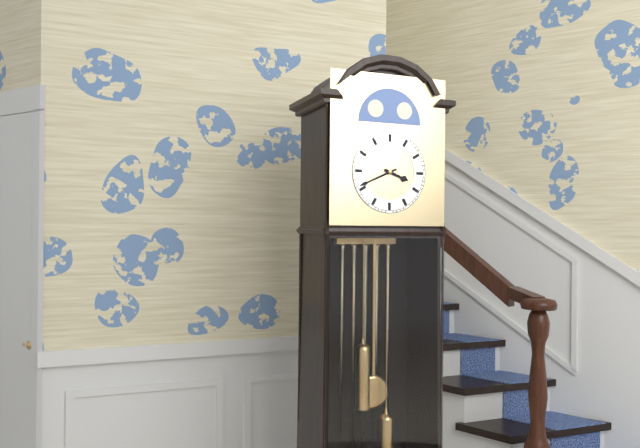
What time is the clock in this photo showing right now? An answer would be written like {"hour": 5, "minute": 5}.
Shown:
{"hour": 3, "minute": 41}
